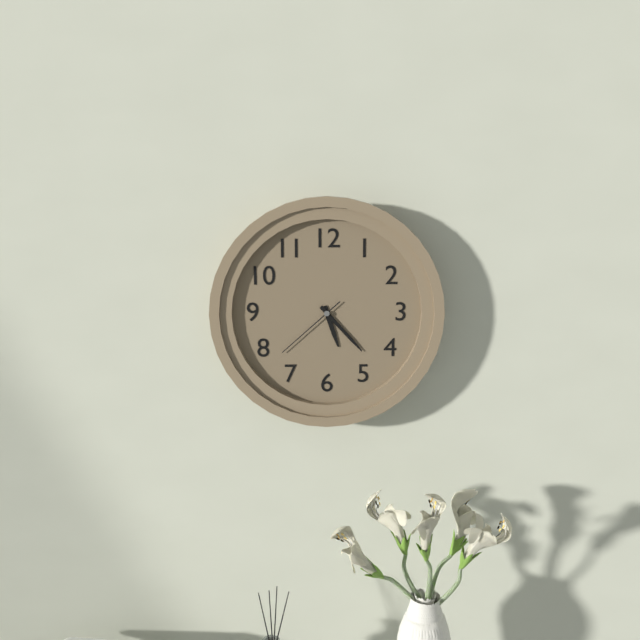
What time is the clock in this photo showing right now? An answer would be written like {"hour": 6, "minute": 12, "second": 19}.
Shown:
{"hour": 5, "minute": 23, "second": 38}
